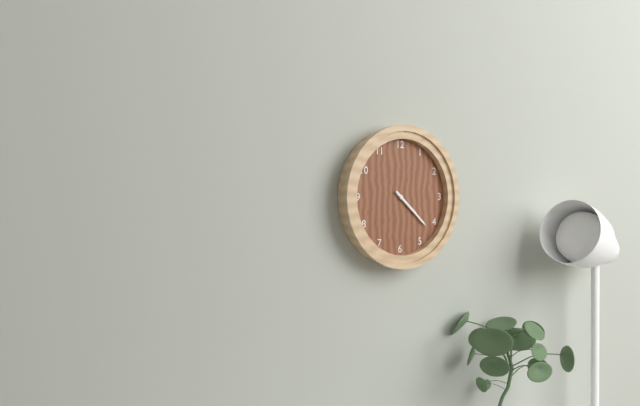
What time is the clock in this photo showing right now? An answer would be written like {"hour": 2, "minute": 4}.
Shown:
{"hour": 4, "minute": 22}
